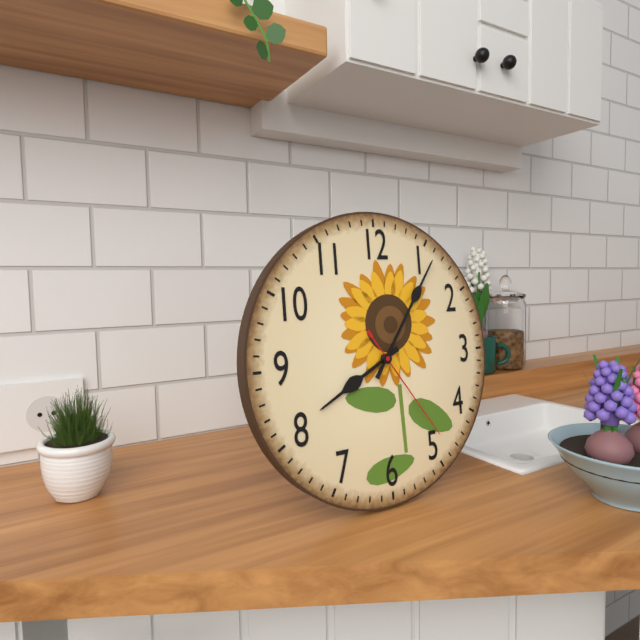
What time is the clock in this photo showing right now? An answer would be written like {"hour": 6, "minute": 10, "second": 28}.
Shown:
{"hour": 8, "minute": 6, "second": 24}
